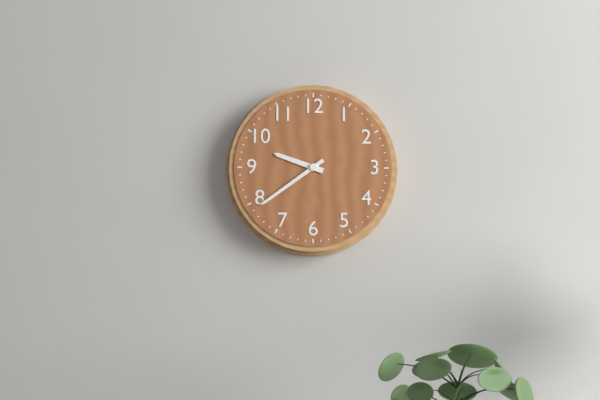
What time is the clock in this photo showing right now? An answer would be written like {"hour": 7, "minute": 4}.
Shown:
{"hour": 9, "minute": 39}
